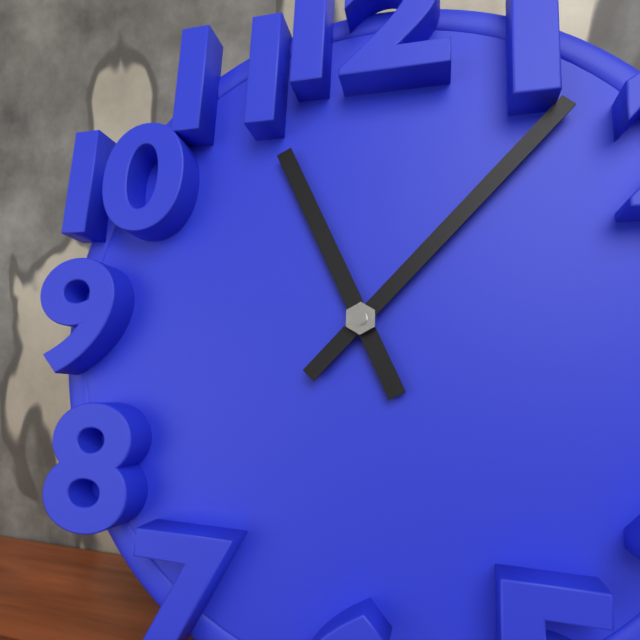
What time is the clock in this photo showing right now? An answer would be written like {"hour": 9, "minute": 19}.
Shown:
{"hour": 11, "minute": 7}
